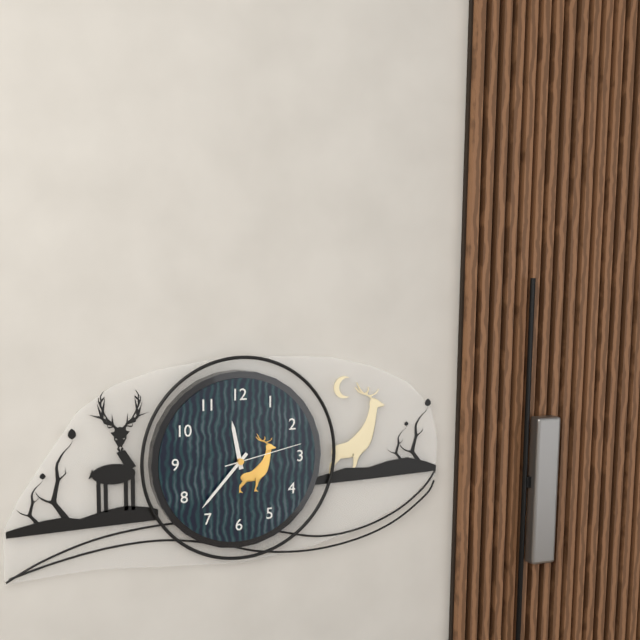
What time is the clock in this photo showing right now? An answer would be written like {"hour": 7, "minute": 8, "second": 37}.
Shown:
{"hour": 11, "minute": 37, "second": 13}
